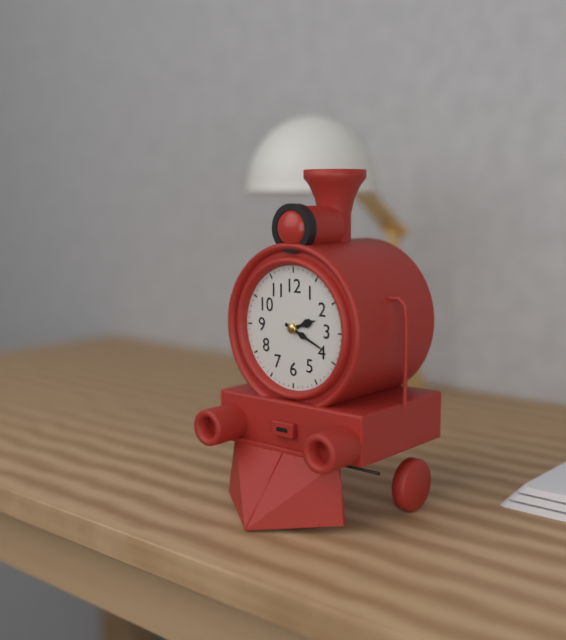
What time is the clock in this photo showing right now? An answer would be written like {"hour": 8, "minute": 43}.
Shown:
{"hour": 2, "minute": 19}
